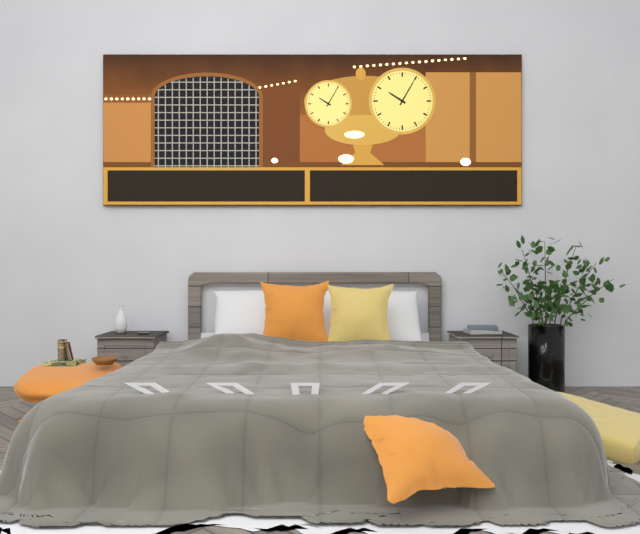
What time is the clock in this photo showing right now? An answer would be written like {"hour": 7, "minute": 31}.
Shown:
{"hour": 10, "minute": 5}
